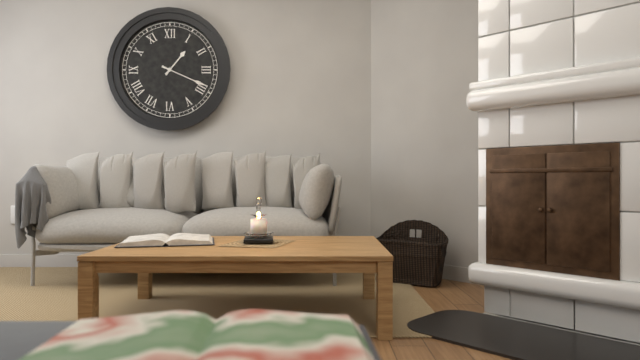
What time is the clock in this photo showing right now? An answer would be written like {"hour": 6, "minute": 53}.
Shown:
{"hour": 1, "minute": 19}
